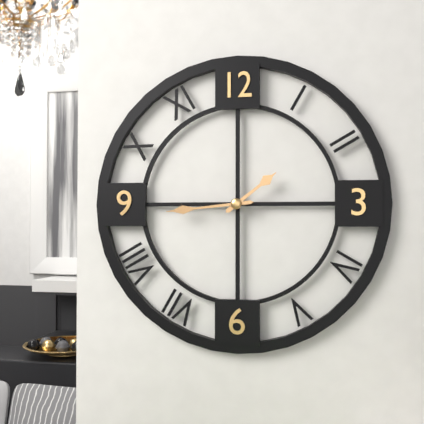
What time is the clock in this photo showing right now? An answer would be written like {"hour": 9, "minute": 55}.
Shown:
{"hour": 1, "minute": 44}
